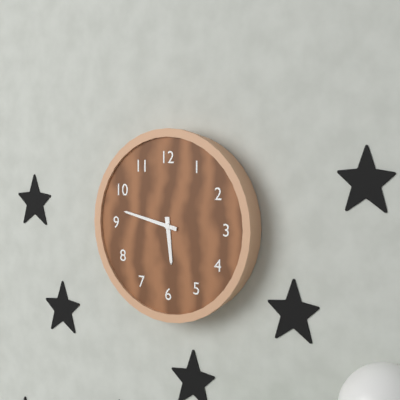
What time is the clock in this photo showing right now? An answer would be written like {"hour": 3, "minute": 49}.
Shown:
{"hour": 5, "minute": 47}
